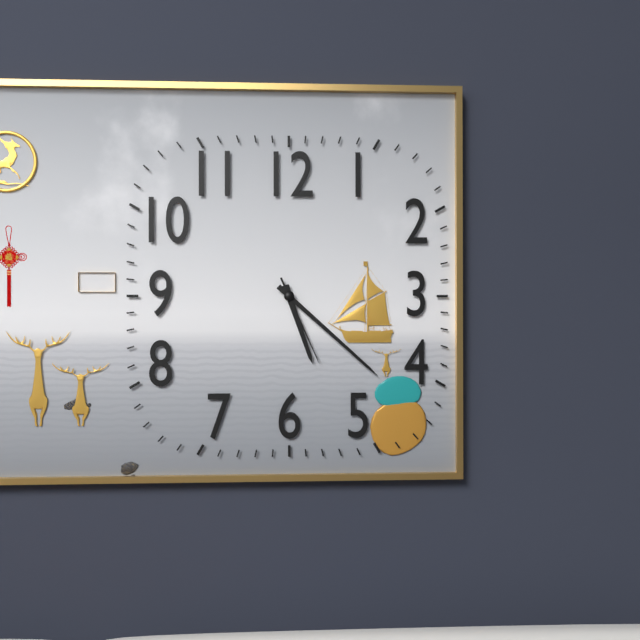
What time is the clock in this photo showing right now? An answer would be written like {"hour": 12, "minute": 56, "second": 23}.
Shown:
{"hour": 5, "minute": 22, "second": 26}
